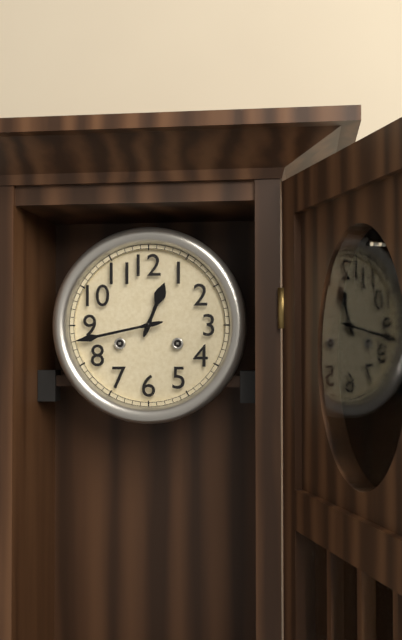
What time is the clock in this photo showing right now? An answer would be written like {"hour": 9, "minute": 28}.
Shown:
{"hour": 12, "minute": 43}
